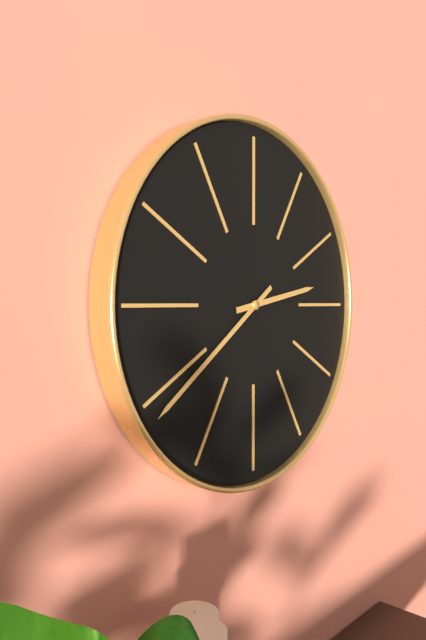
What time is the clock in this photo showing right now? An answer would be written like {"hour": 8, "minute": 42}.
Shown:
{"hour": 2, "minute": 39}
